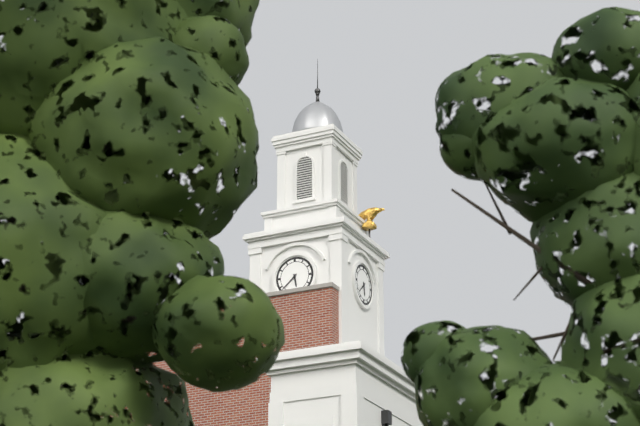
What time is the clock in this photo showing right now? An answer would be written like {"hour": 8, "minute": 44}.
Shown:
{"hour": 5, "minute": 38}
